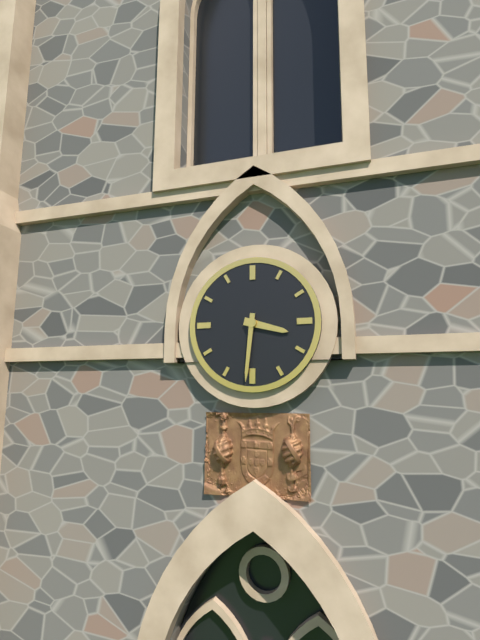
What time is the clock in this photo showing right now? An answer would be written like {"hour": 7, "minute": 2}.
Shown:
{"hour": 3, "minute": 31}
